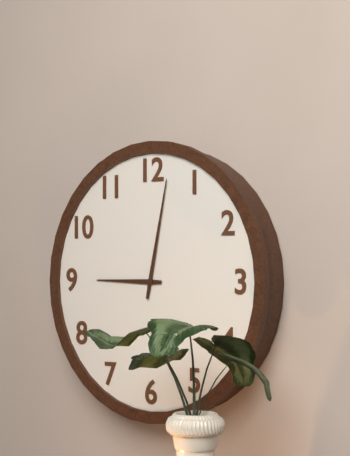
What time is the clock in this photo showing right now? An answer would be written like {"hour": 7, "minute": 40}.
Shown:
{"hour": 9, "minute": 2}
